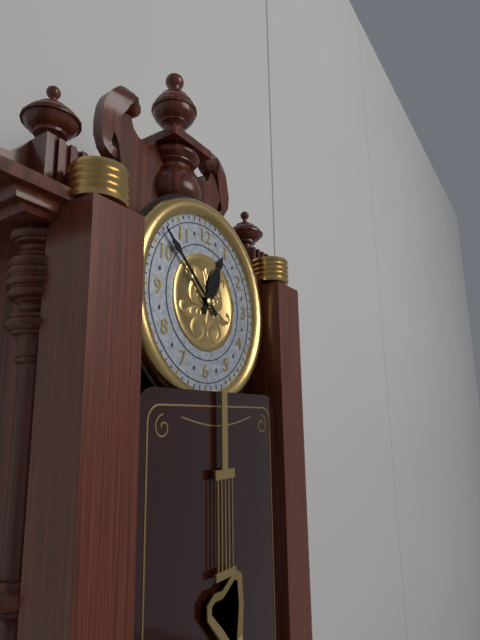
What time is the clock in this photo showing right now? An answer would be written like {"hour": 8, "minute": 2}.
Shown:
{"hour": 12, "minute": 52}
